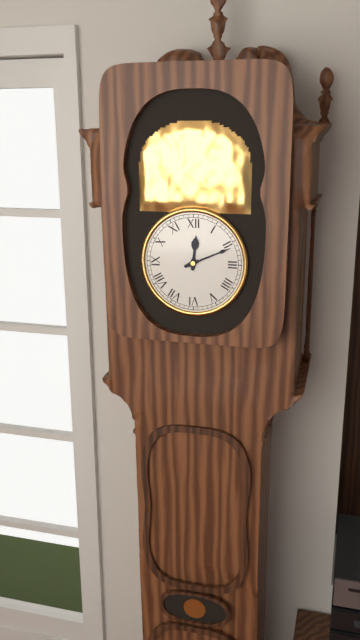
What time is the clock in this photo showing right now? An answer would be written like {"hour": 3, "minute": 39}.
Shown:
{"hour": 12, "minute": 11}
